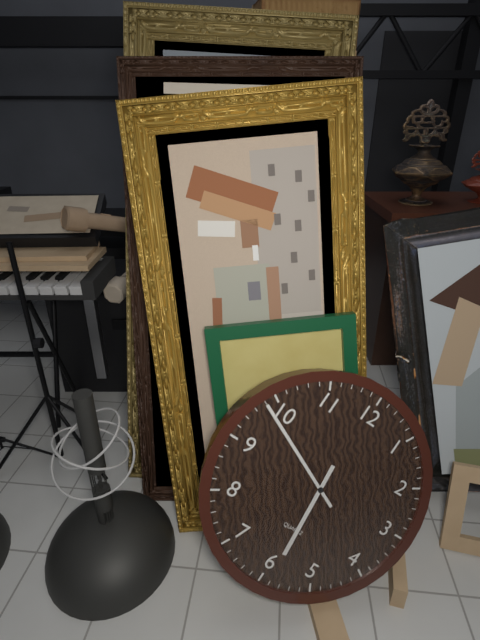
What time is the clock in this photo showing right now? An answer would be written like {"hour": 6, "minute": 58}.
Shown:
{"hour": 5, "minute": 49}
